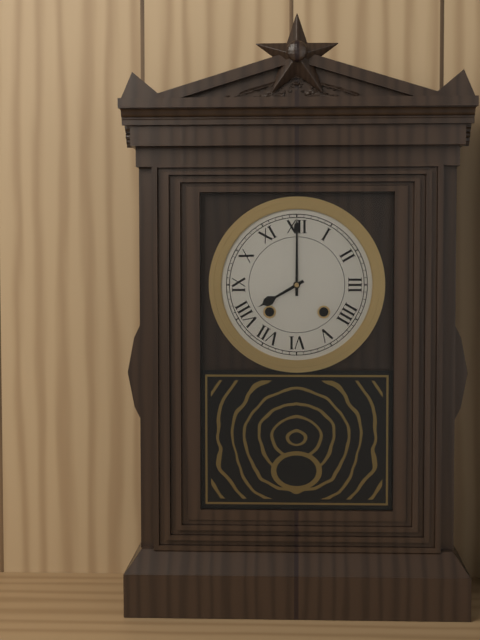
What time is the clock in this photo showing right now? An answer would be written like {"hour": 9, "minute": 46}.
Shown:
{"hour": 8, "minute": 0}
